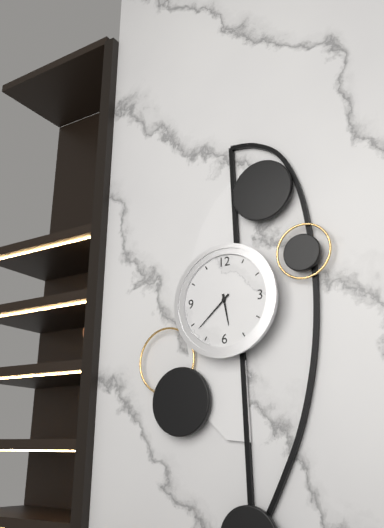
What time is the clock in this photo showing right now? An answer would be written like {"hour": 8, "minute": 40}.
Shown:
{"hour": 5, "minute": 38}
